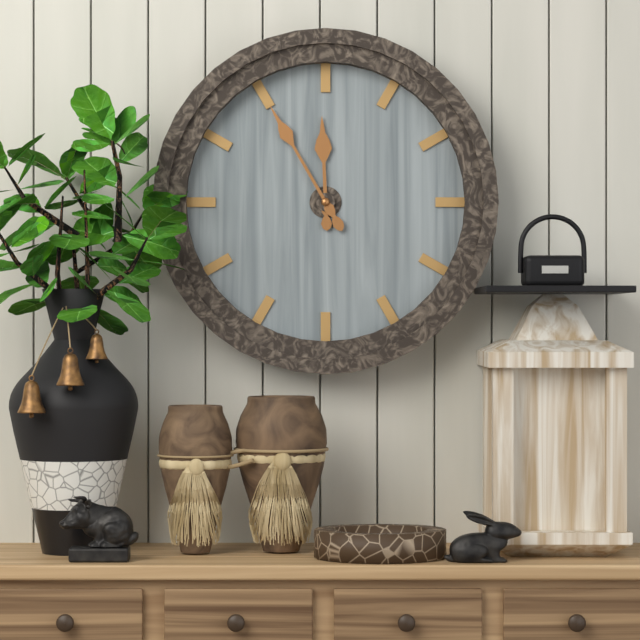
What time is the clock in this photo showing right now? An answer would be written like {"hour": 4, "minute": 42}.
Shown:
{"hour": 11, "minute": 55}
